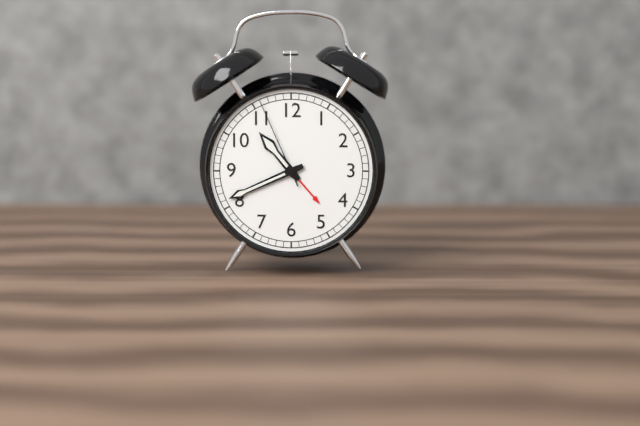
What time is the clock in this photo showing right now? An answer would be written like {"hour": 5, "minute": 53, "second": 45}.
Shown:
{"hour": 10, "minute": 41, "second": 56}
